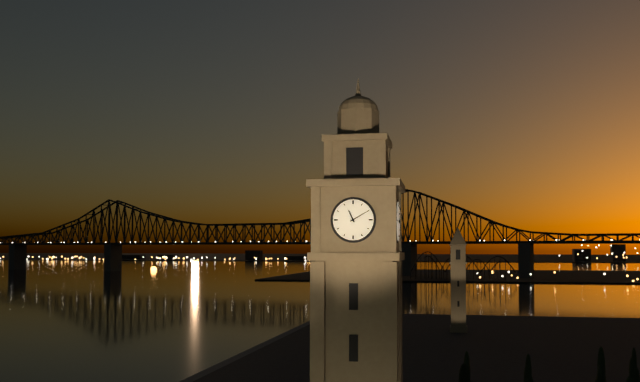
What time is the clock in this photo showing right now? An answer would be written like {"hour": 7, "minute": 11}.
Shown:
{"hour": 11, "minute": 10}
